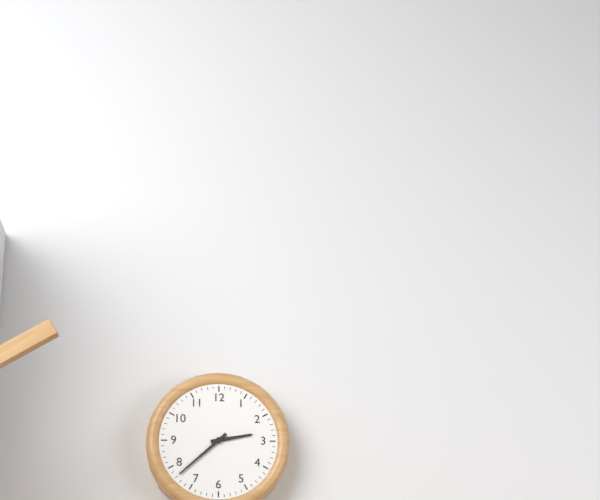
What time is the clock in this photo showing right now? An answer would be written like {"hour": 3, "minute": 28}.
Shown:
{"hour": 2, "minute": 38}
